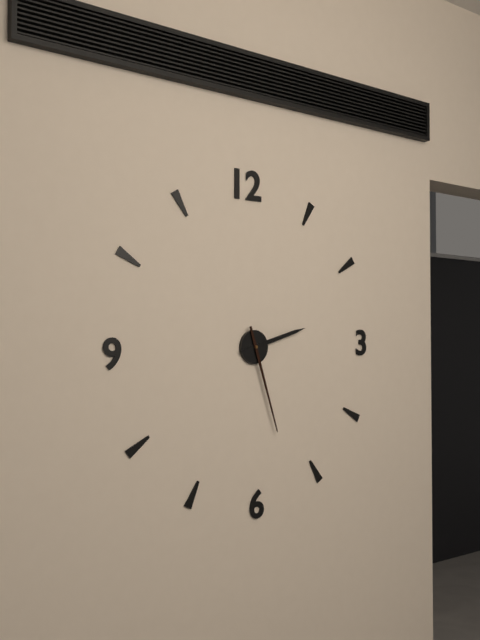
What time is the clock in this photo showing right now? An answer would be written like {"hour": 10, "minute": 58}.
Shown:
{"hour": 2, "minute": 27}
